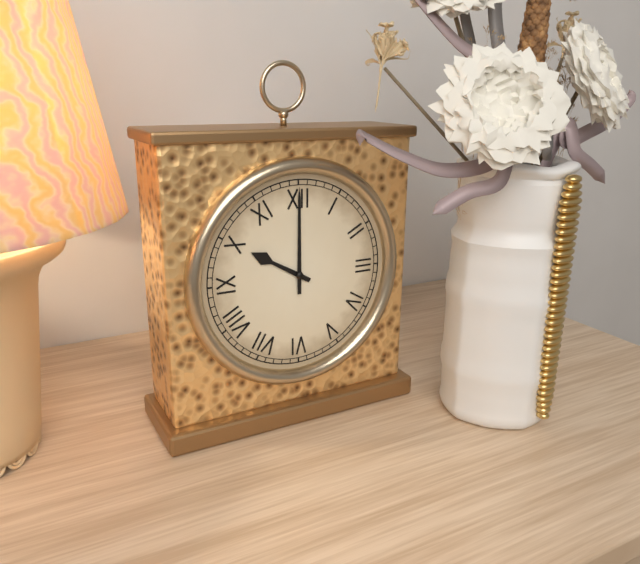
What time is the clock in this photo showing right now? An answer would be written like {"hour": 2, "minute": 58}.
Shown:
{"hour": 10, "minute": 0}
